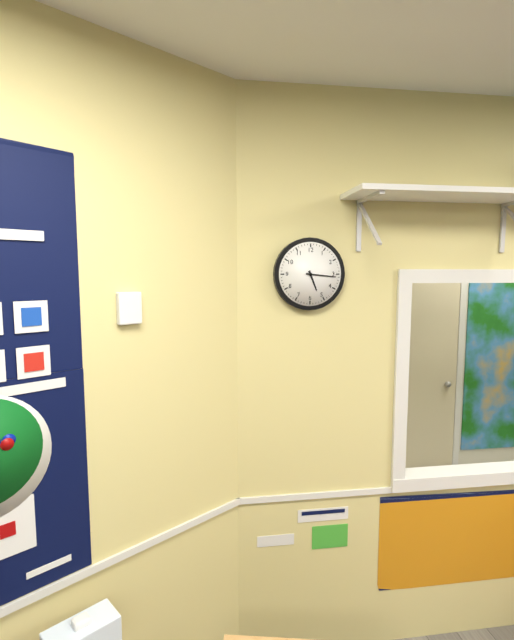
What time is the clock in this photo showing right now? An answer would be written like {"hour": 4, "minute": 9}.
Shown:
{"hour": 5, "minute": 16}
